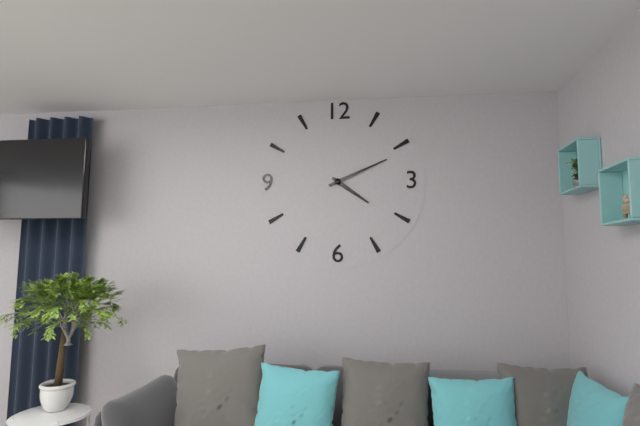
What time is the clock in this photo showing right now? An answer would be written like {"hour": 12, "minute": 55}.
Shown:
{"hour": 4, "minute": 11}
